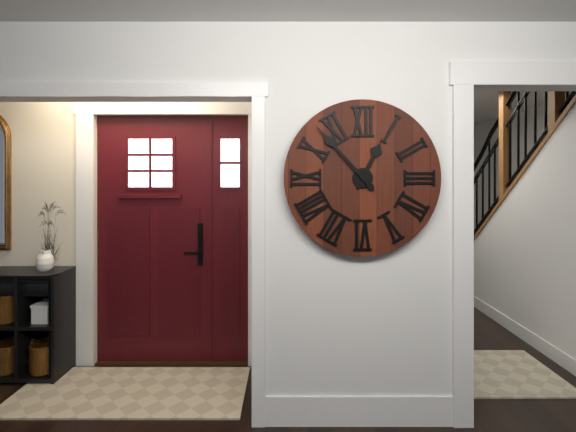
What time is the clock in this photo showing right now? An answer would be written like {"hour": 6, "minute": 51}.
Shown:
{"hour": 12, "minute": 53}
